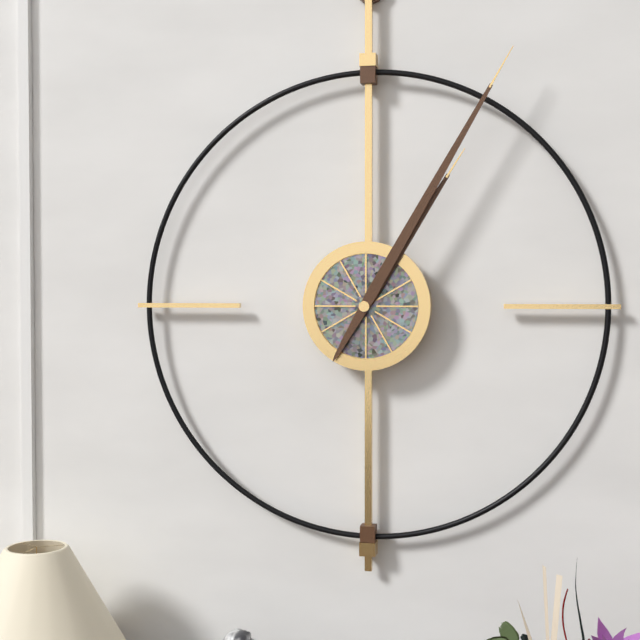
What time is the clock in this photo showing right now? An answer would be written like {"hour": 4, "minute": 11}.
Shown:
{"hour": 1, "minute": 5}
